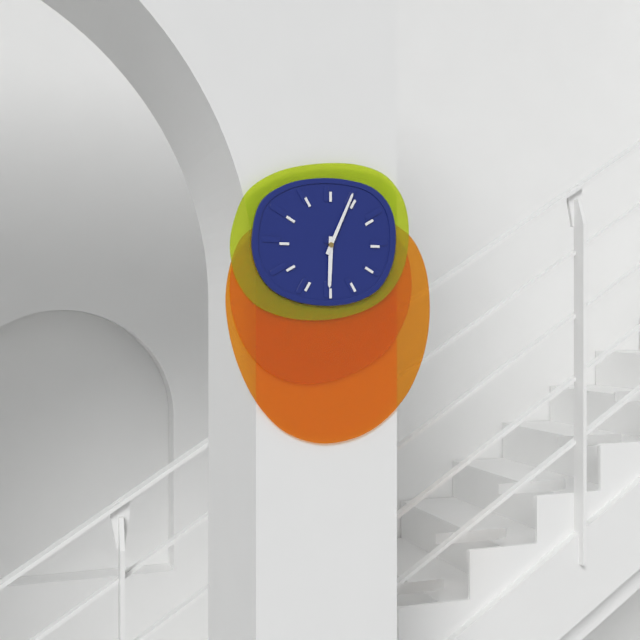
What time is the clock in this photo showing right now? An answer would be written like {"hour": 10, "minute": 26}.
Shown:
{"hour": 6, "minute": 4}
